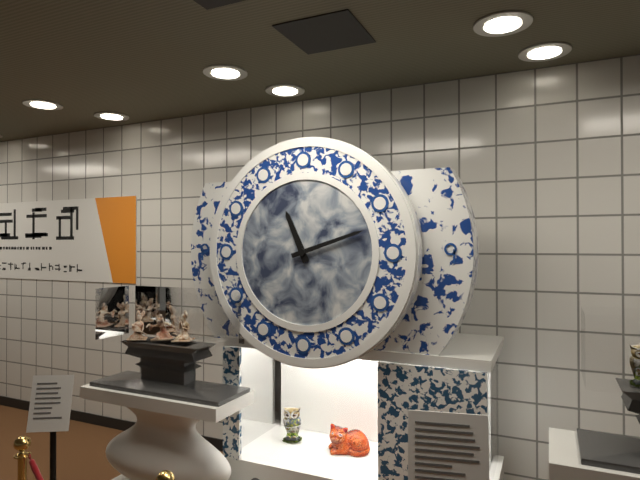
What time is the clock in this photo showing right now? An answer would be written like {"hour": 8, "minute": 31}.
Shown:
{"hour": 11, "minute": 12}
